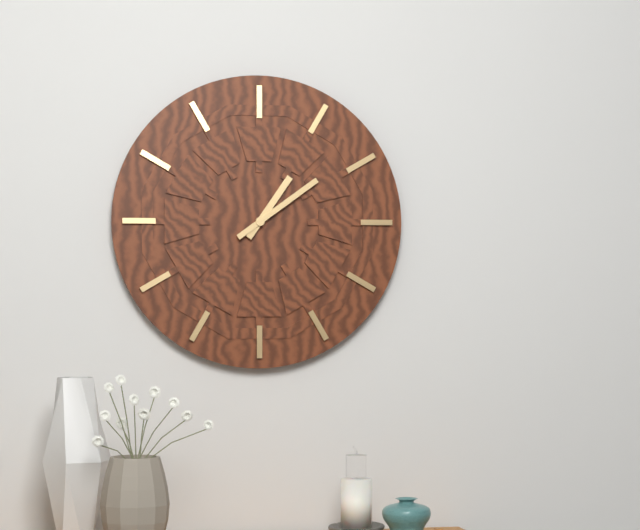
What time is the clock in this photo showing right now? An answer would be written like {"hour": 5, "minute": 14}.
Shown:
{"hour": 1, "minute": 9}
